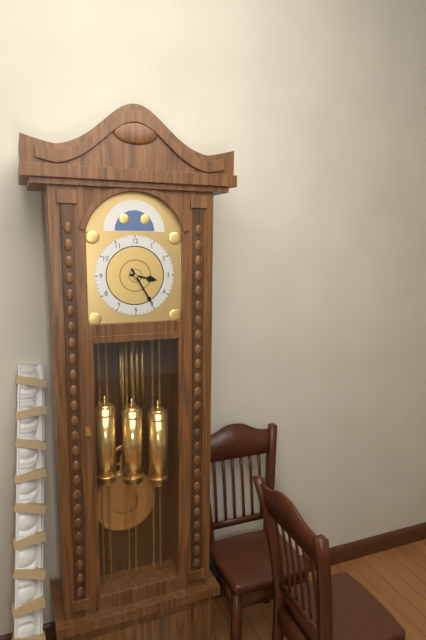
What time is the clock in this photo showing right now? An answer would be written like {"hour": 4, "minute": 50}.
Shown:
{"hour": 3, "minute": 25}
